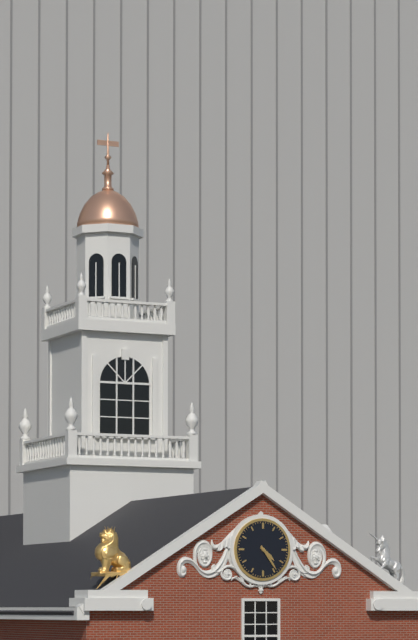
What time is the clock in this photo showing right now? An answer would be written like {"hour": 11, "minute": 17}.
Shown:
{"hour": 4, "minute": 24}
